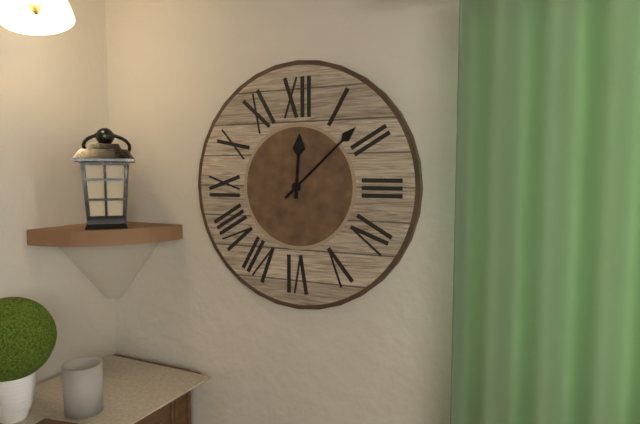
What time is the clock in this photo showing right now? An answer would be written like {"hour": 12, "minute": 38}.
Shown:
{"hour": 12, "minute": 8}
